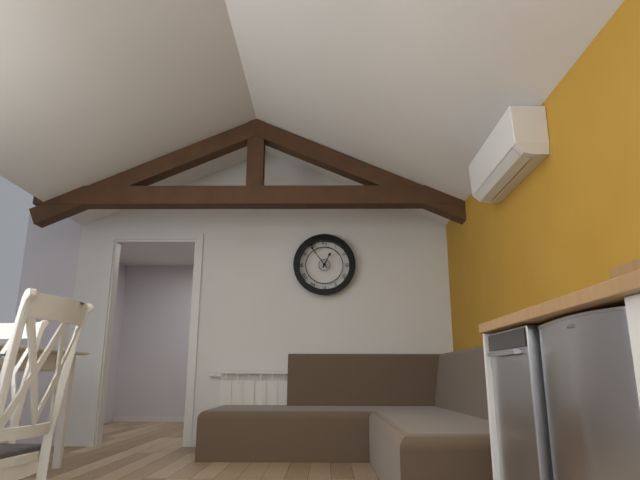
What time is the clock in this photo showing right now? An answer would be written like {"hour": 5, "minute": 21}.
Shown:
{"hour": 12, "minute": 54}
